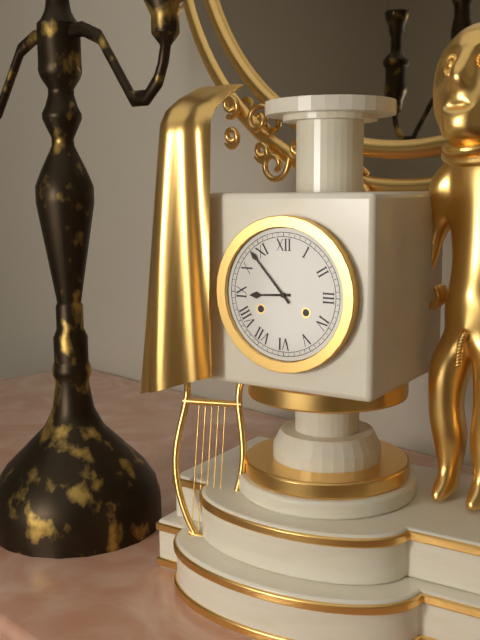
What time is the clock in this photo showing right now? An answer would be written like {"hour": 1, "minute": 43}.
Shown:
{"hour": 8, "minute": 53}
